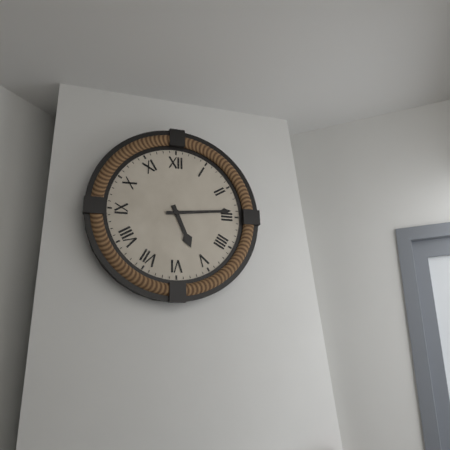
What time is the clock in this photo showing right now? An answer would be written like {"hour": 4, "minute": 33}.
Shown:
{"hour": 5, "minute": 14}
